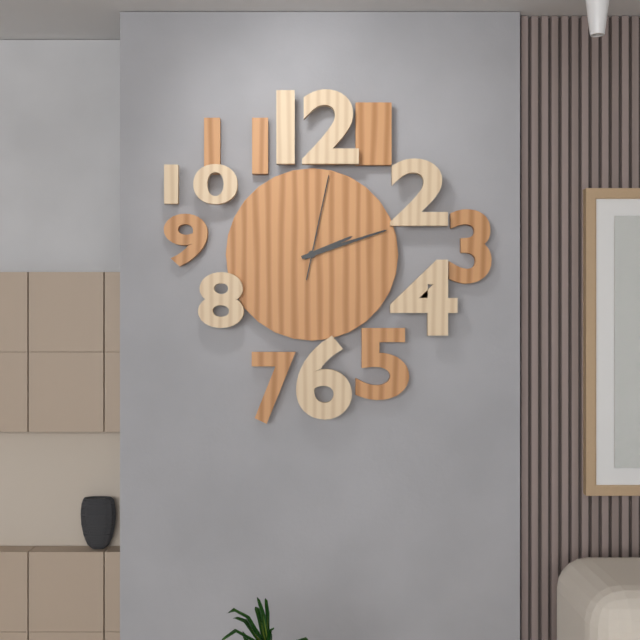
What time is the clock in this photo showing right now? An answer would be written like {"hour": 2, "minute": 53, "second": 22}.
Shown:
{"hour": 2, "minute": 12, "second": 2}
